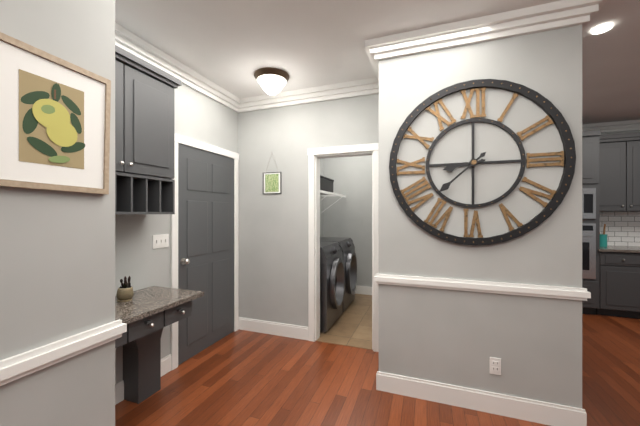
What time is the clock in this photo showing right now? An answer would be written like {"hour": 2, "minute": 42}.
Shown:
{"hour": 8, "minute": 38}
